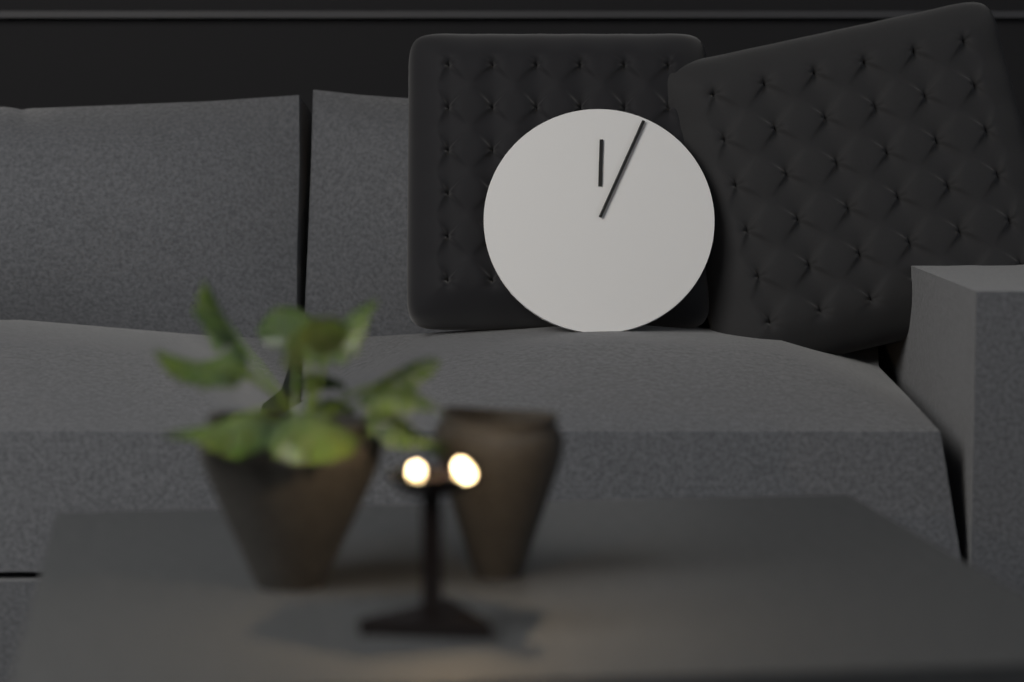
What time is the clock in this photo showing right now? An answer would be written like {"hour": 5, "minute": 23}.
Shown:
{"hour": 12, "minute": 4}
